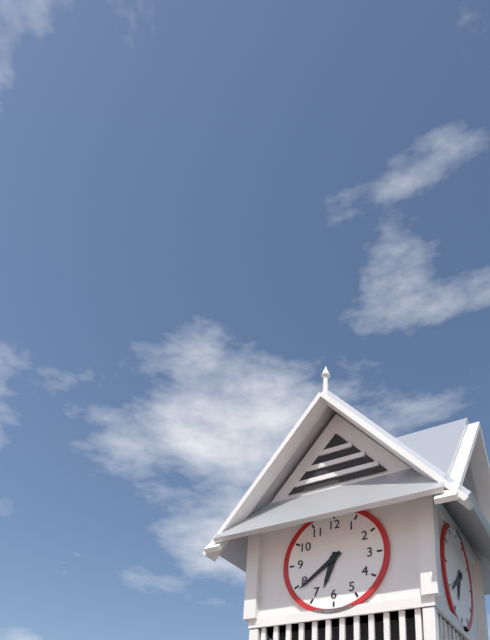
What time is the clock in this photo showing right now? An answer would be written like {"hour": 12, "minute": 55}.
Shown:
{"hour": 6, "minute": 39}
